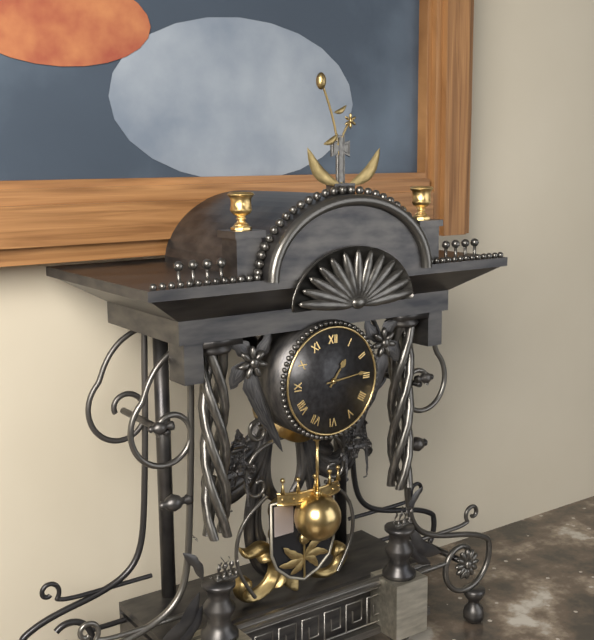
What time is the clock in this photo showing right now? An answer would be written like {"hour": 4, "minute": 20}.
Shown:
{"hour": 1, "minute": 14}
